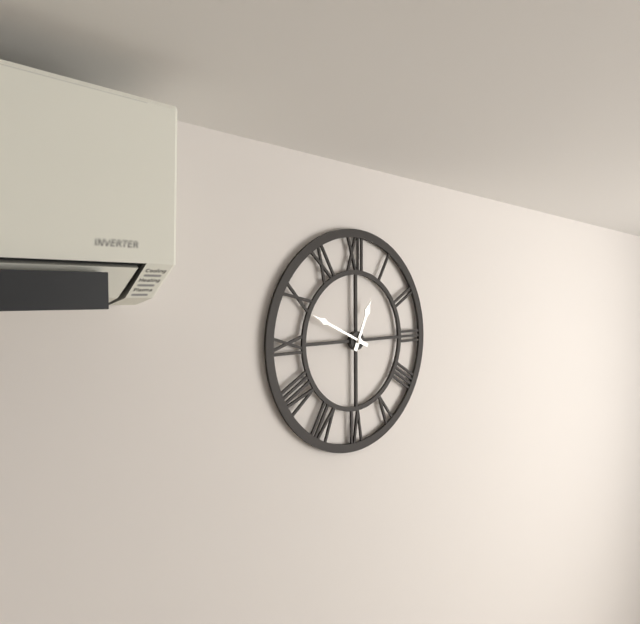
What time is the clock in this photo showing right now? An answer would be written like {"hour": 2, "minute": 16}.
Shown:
{"hour": 12, "minute": 49}
